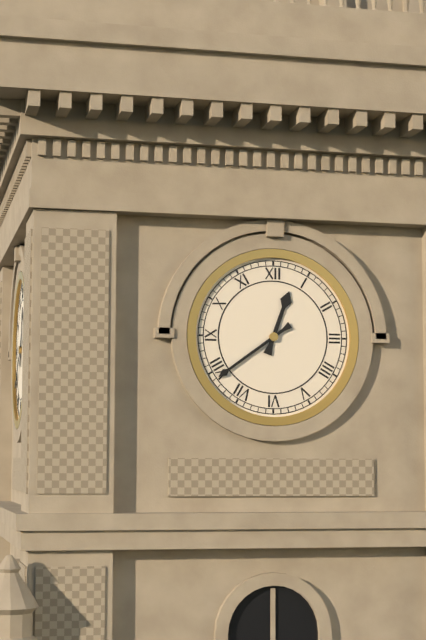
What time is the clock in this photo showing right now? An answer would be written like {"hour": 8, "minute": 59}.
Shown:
{"hour": 12, "minute": 39}
